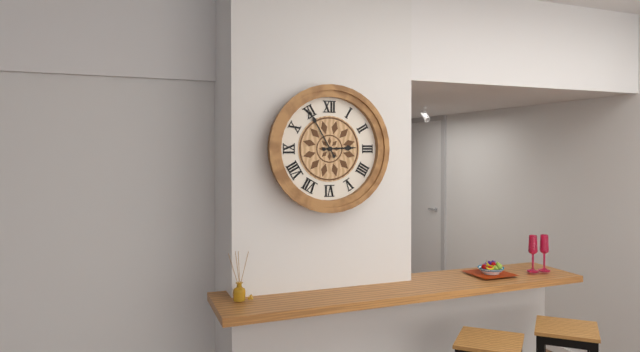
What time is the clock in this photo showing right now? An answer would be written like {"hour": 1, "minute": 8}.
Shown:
{"hour": 2, "minute": 55}
